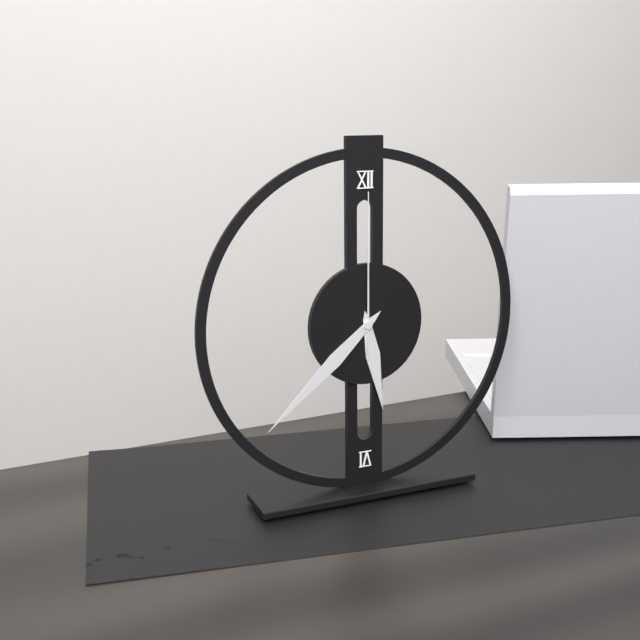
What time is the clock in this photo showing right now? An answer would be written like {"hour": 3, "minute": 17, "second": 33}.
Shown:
{"hour": 5, "minute": 38, "second": 0}
